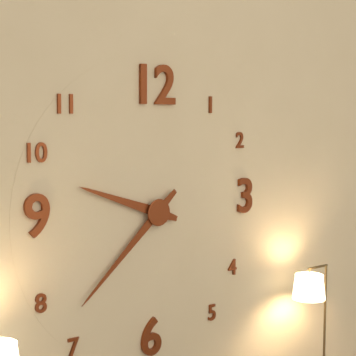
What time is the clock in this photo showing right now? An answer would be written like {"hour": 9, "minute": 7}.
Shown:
{"hour": 9, "minute": 38}
